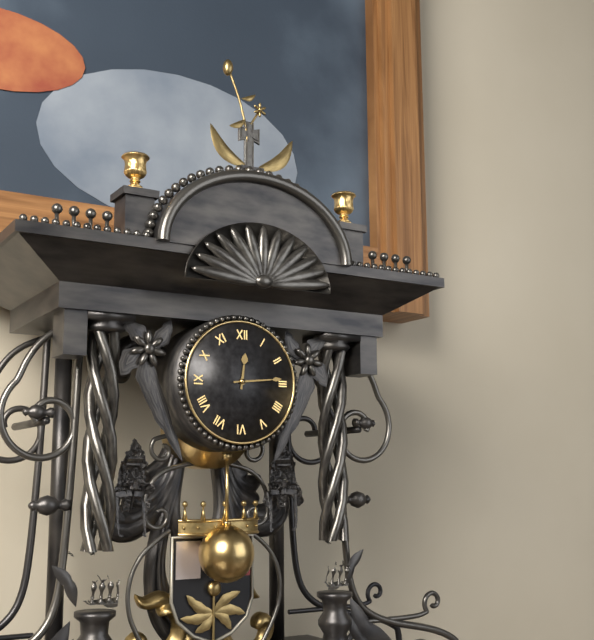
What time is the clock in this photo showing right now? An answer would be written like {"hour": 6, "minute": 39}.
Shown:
{"hour": 12, "minute": 14}
